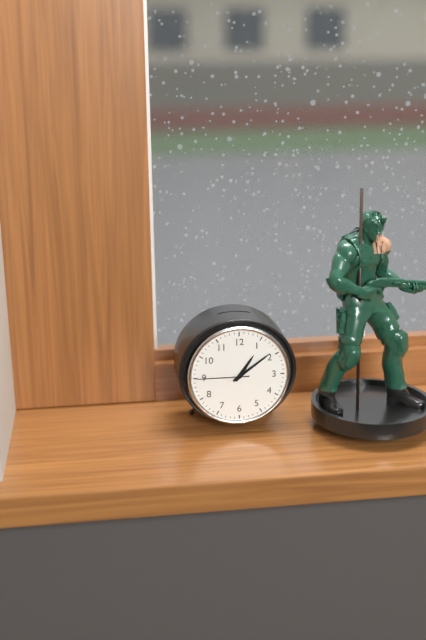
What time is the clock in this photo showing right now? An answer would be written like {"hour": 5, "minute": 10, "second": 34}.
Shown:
{"hour": 1, "minute": 9, "second": 45}
